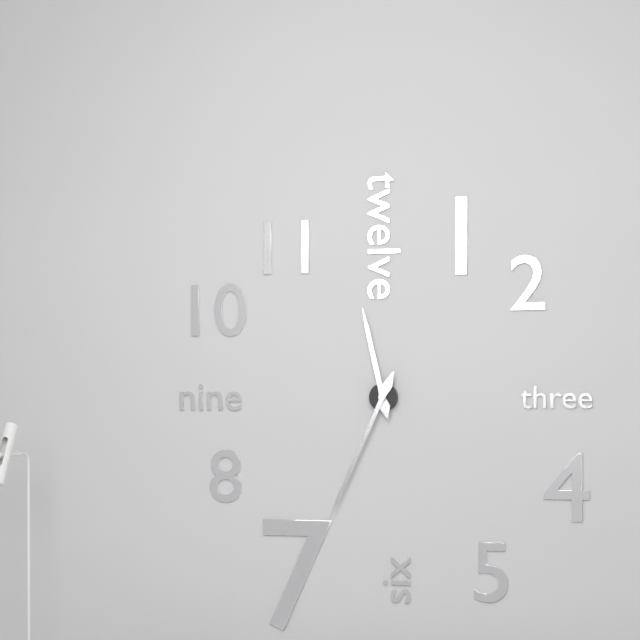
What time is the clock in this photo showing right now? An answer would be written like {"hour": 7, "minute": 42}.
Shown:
{"hour": 11, "minute": 34}
